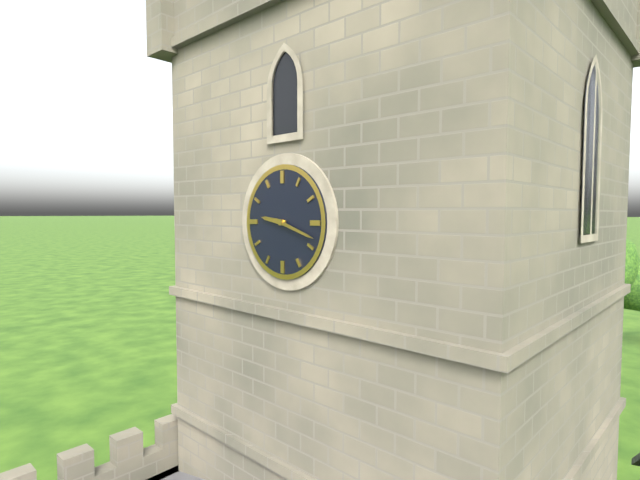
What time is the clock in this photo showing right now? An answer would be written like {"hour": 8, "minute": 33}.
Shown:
{"hour": 9, "minute": 18}
